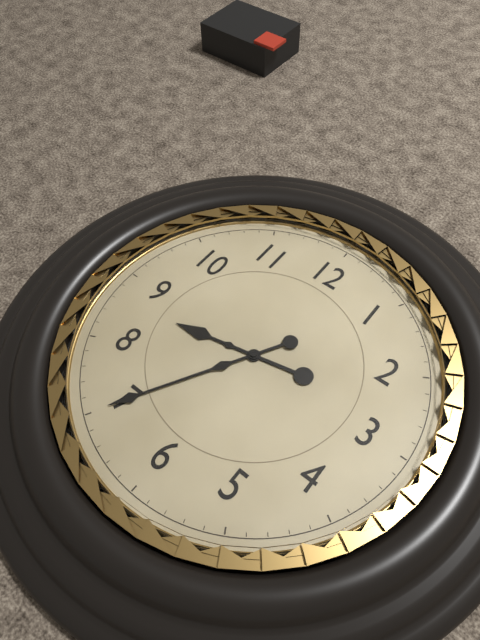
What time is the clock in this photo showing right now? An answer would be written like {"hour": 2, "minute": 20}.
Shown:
{"hour": 8, "minute": 35}
